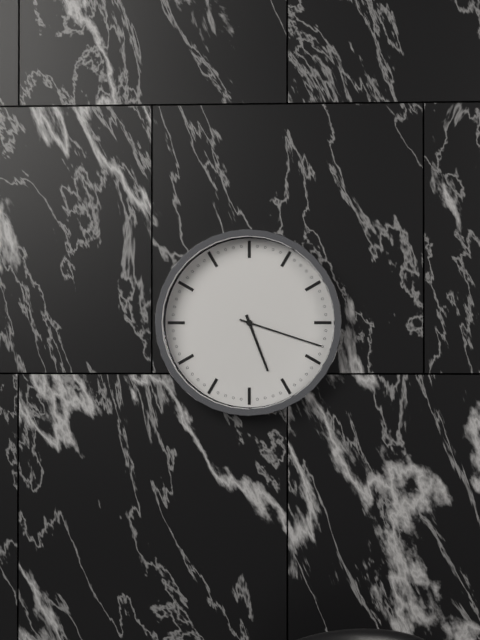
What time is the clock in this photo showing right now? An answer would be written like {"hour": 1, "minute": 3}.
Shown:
{"hour": 5, "minute": 18}
